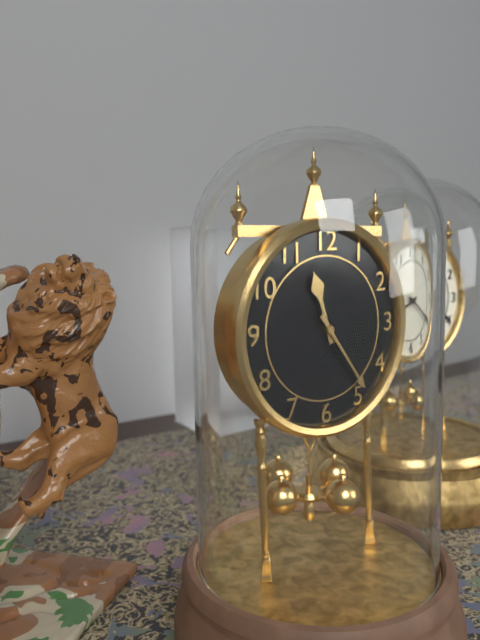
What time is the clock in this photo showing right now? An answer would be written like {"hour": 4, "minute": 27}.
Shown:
{"hour": 11, "minute": 24}
